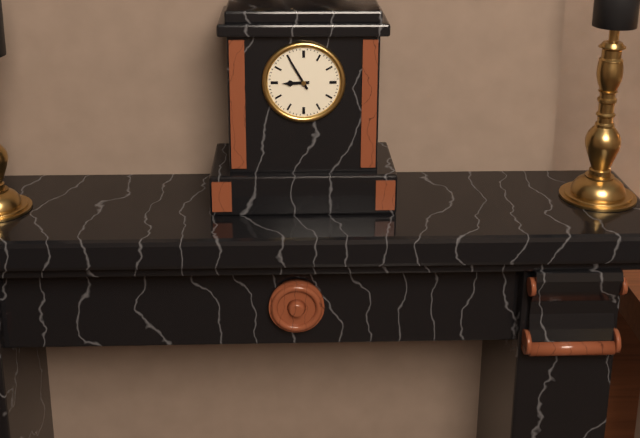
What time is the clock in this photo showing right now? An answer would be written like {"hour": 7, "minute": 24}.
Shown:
{"hour": 8, "minute": 55}
